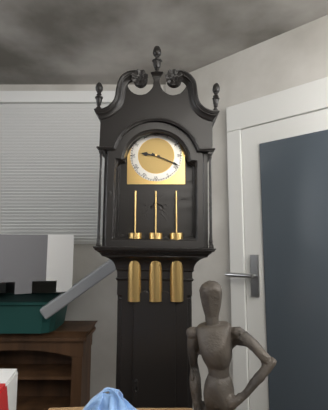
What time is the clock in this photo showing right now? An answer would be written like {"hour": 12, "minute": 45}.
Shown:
{"hour": 9, "minute": 19}
